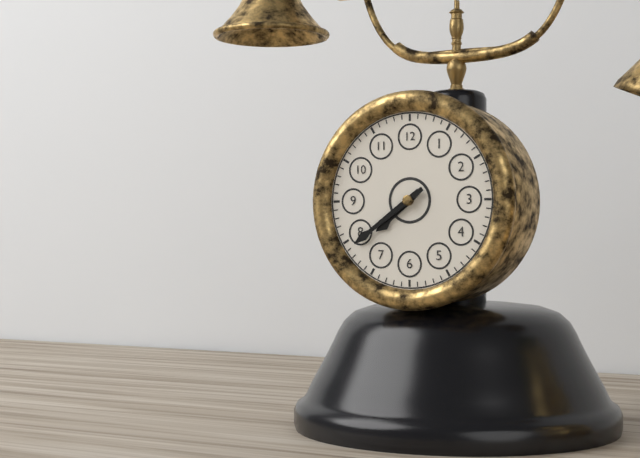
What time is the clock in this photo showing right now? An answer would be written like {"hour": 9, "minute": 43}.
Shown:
{"hour": 7, "minute": 39}
